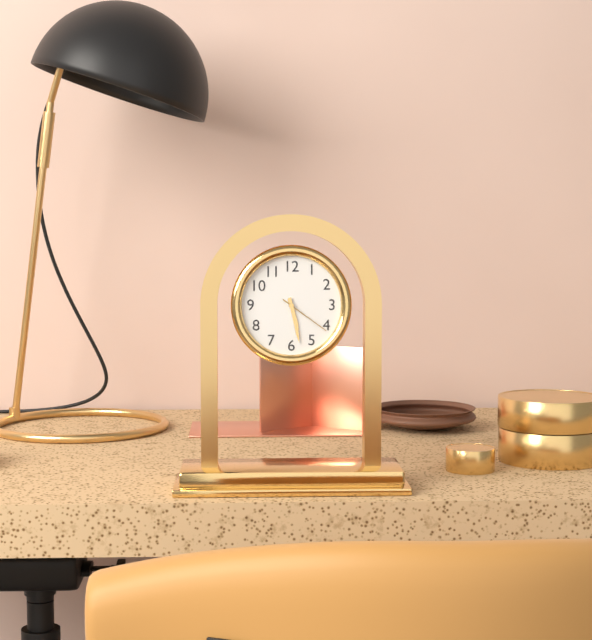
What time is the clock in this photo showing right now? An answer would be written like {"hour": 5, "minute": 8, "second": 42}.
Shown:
{"hour": 5, "minute": 28, "second": 21}
